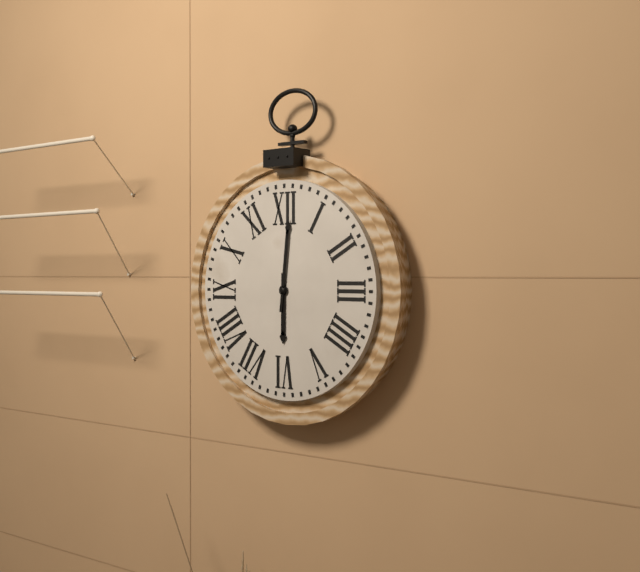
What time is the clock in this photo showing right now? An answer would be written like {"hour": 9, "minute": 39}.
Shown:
{"hour": 6, "minute": 1}
